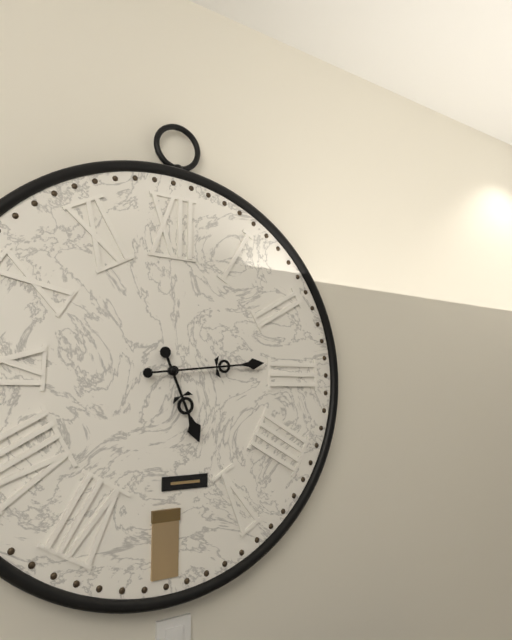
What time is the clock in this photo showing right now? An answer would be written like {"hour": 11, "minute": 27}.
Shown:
{"hour": 5, "minute": 14}
